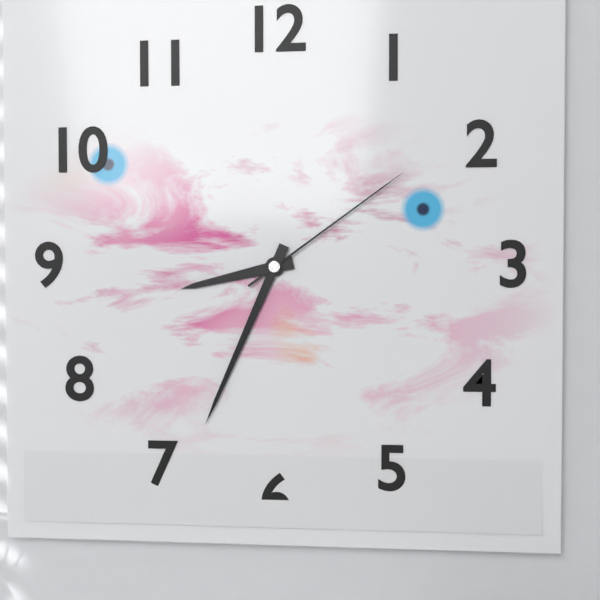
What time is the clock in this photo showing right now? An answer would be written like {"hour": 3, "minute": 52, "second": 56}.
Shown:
{"hour": 8, "minute": 34, "second": 9}
